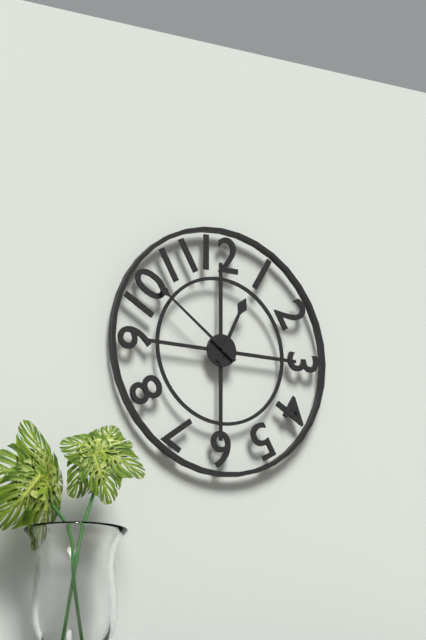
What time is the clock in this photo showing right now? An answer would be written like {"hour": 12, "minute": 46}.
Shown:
{"hour": 12, "minute": 51}
